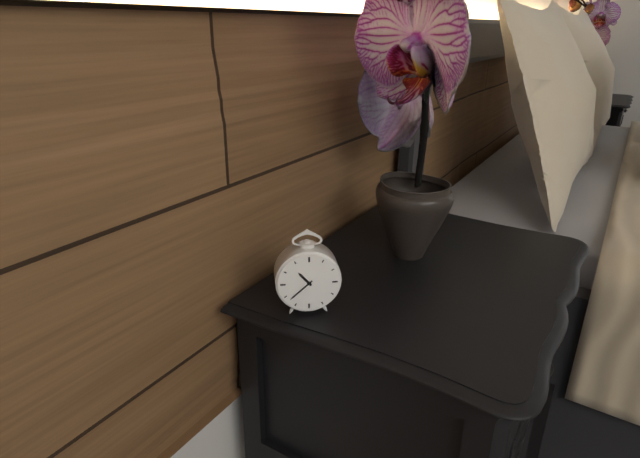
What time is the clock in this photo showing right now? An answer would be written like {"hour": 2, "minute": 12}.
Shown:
{"hour": 10, "minute": 38}
